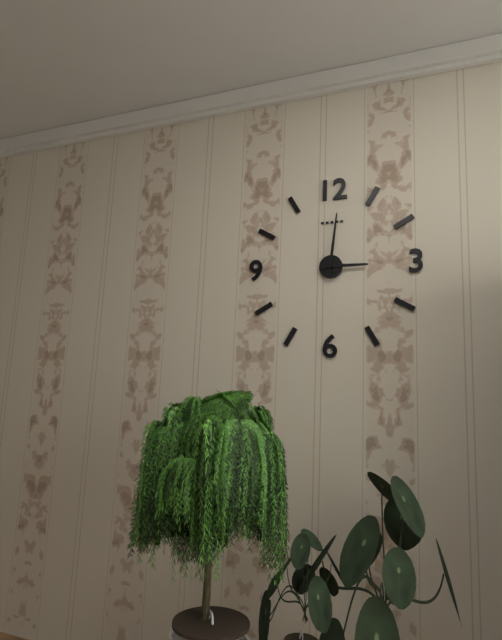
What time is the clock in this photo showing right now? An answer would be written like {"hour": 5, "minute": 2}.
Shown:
{"hour": 3, "minute": 1}
